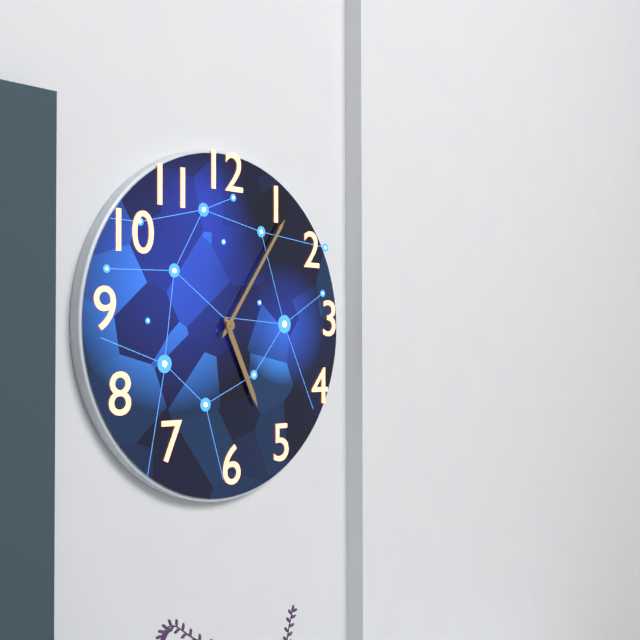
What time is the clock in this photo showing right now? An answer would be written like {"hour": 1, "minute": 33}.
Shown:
{"hour": 5, "minute": 6}
